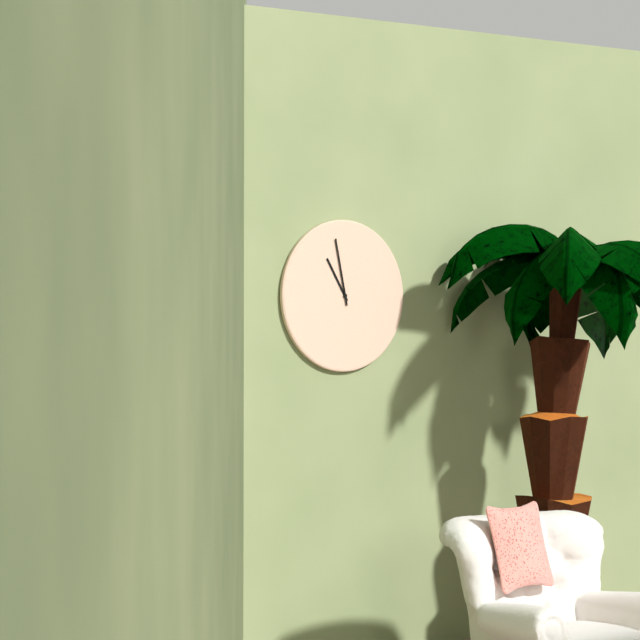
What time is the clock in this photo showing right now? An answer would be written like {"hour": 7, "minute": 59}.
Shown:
{"hour": 10, "minute": 58}
